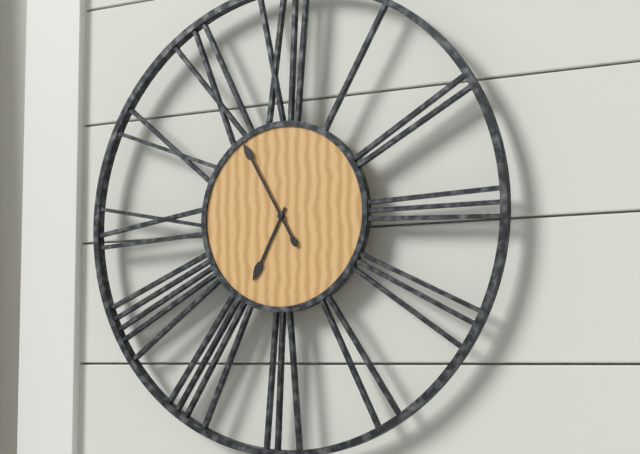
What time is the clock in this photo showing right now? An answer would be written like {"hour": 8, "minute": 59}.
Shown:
{"hour": 6, "minute": 55}
